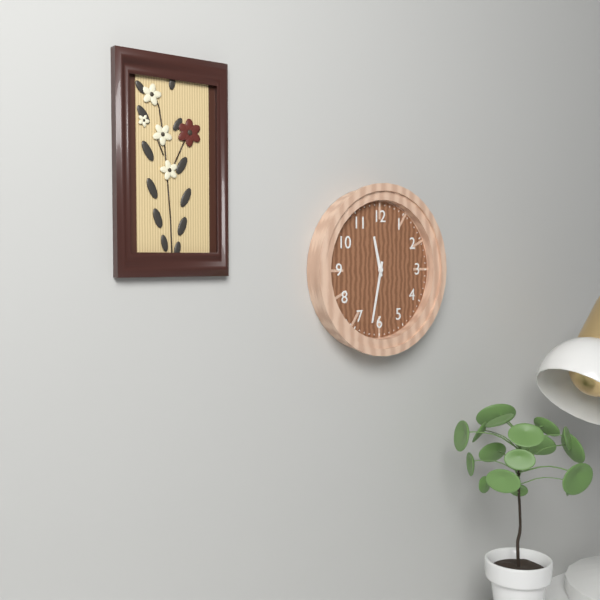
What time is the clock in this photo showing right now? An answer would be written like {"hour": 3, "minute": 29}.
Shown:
{"hour": 11, "minute": 32}
